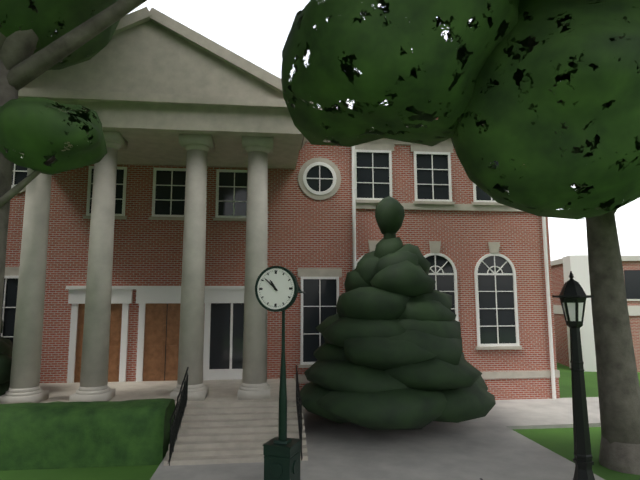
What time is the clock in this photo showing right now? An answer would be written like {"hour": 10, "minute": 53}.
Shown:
{"hour": 10, "minute": 52}
